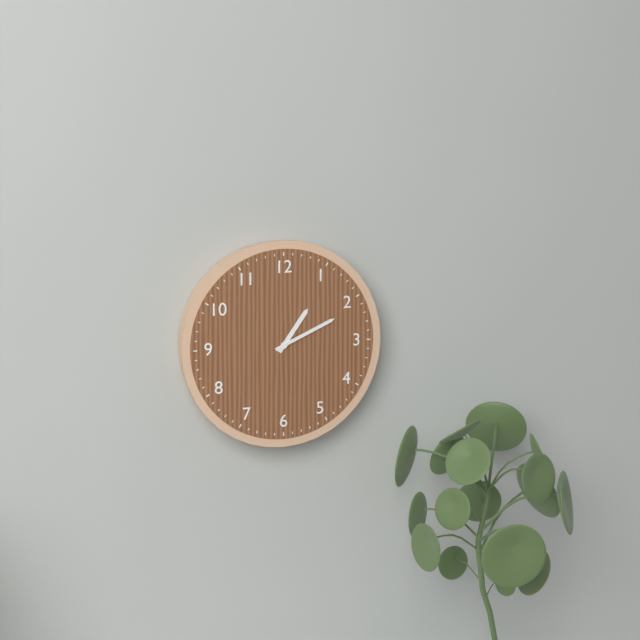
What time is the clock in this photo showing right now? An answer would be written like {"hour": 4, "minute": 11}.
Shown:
{"hour": 1, "minute": 11}
